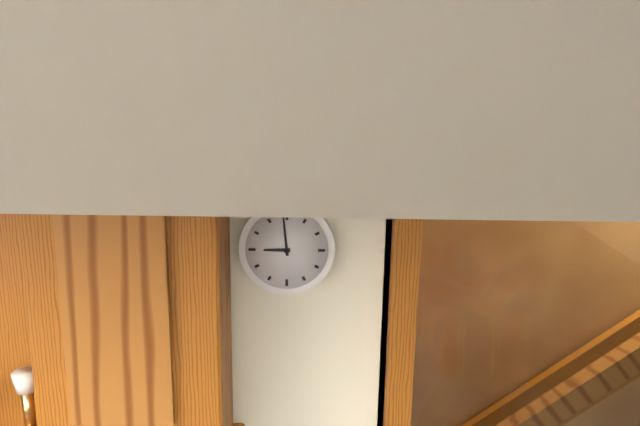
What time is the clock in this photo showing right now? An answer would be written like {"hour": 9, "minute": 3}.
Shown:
{"hour": 8, "minute": 59}
